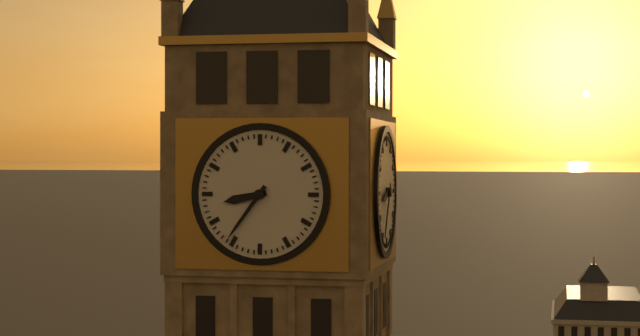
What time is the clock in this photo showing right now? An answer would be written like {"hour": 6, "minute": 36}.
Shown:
{"hour": 8, "minute": 36}
